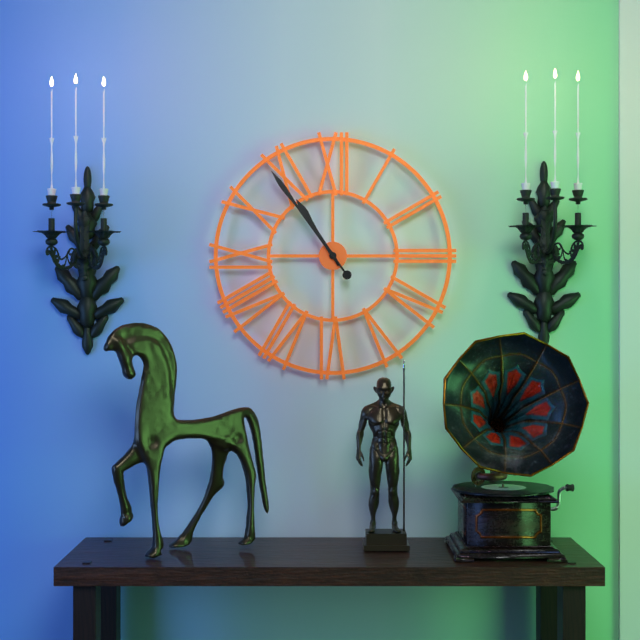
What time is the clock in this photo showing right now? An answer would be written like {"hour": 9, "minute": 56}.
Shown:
{"hour": 10, "minute": 54}
